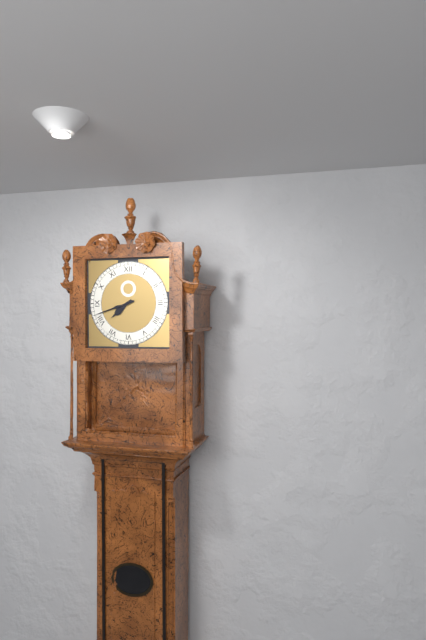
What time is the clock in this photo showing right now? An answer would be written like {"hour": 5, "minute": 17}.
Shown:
{"hour": 7, "minute": 42}
